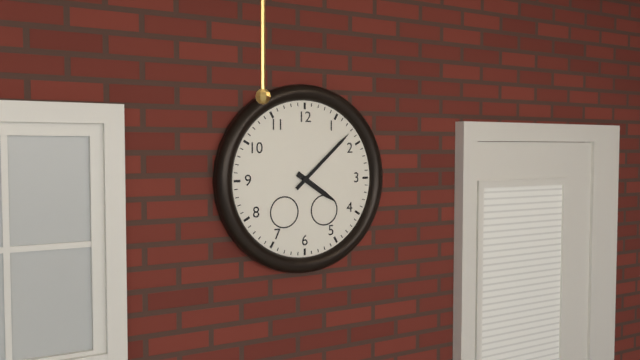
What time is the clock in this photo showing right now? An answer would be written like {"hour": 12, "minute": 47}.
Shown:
{"hour": 4, "minute": 8}
